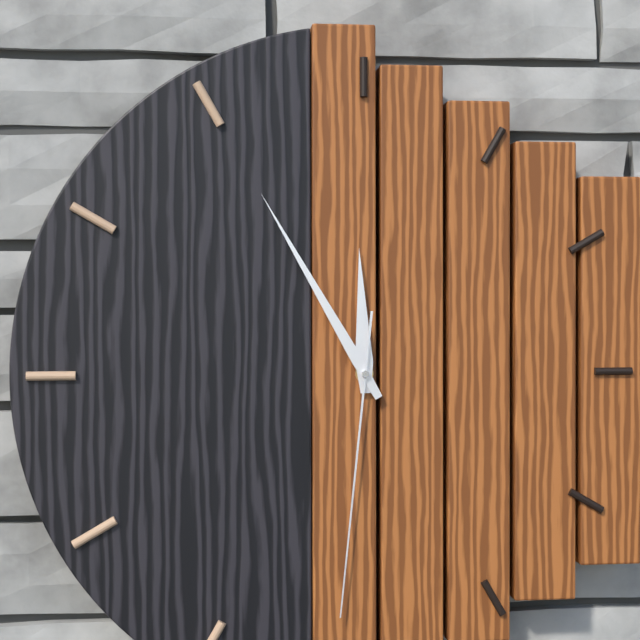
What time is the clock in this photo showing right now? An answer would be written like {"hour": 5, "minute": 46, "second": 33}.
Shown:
{"hour": 11, "minute": 55, "second": 31}
